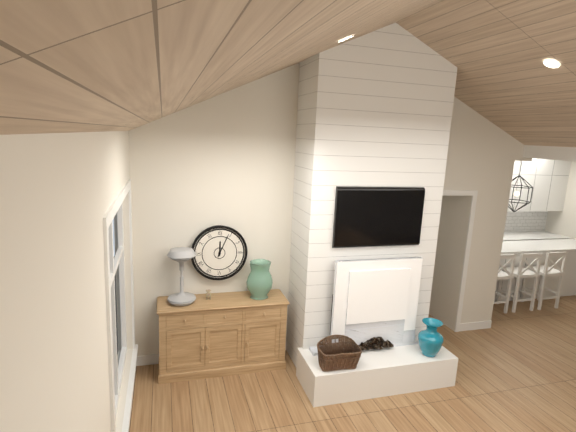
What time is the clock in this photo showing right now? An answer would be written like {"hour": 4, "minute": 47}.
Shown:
{"hour": 12, "minute": 4}
